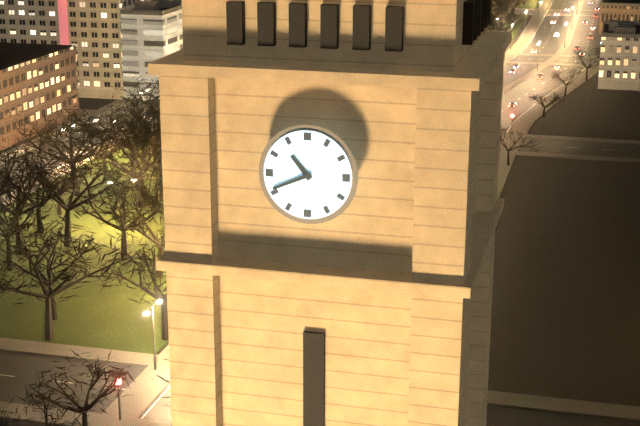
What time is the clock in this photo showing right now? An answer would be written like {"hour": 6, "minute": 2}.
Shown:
{"hour": 10, "minute": 41}
